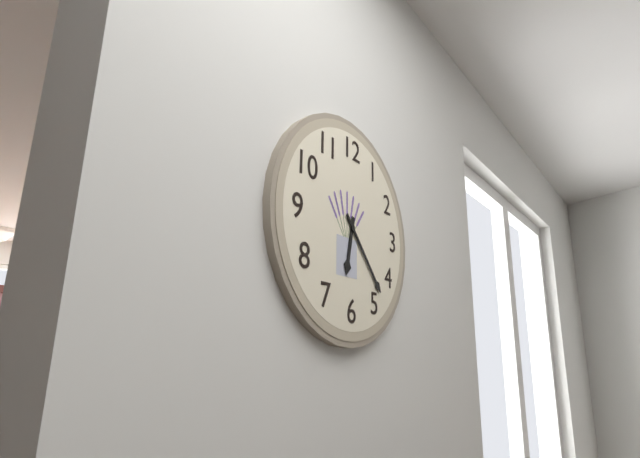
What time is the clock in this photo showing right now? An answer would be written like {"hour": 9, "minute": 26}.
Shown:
{"hour": 6, "minute": 23}
